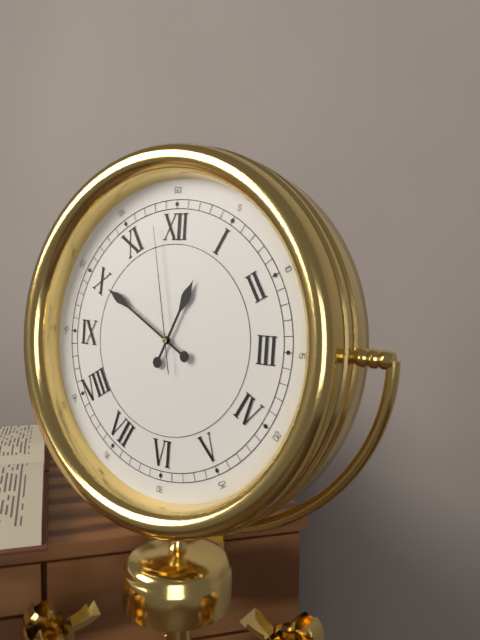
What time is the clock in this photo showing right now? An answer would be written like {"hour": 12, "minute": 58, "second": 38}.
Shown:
{"hour": 12, "minute": 50, "second": 58}
